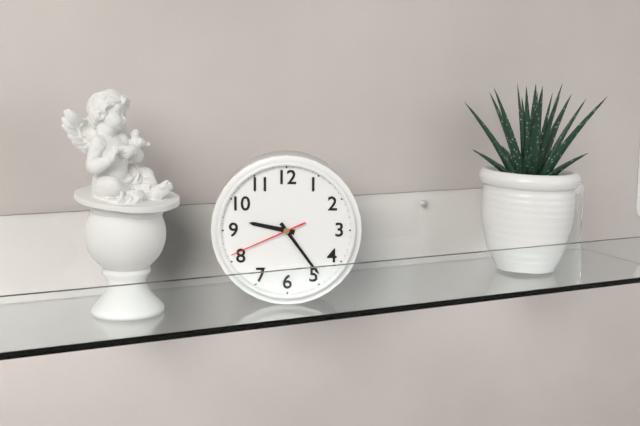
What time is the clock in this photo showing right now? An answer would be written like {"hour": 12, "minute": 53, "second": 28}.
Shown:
{"hour": 9, "minute": 24, "second": 41}
